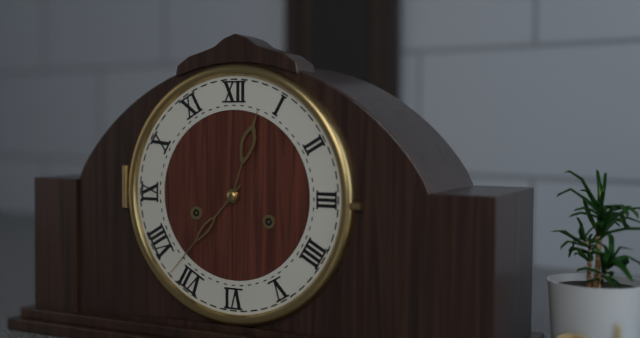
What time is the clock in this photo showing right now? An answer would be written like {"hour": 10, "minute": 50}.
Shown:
{"hour": 12, "minute": 37}
